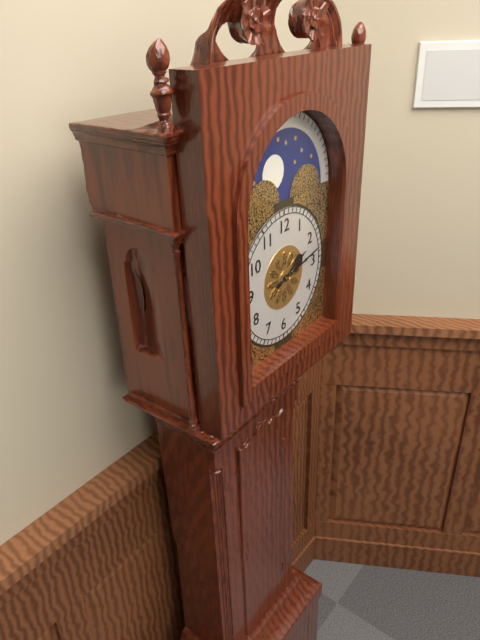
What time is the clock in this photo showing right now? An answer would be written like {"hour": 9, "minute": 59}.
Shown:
{"hour": 2, "minute": 13}
